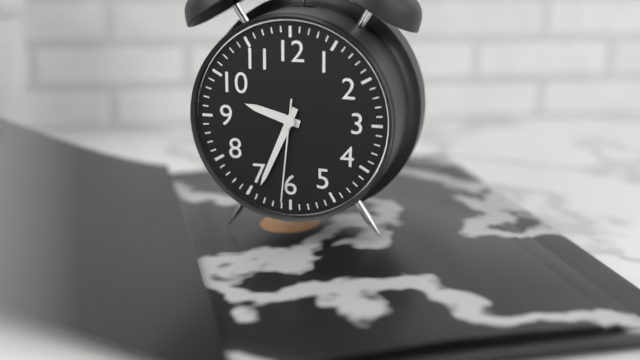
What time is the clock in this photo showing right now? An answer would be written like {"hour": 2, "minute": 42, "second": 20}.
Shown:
{"hour": 9, "minute": 34, "second": 31}
